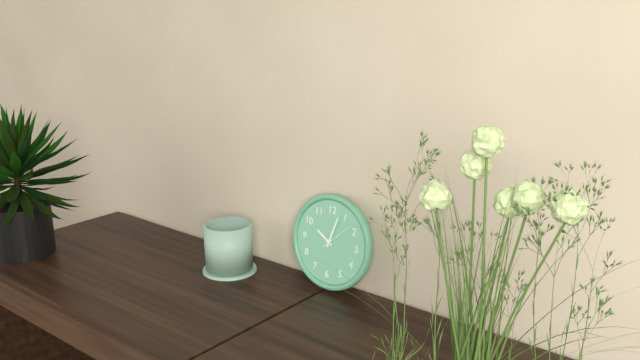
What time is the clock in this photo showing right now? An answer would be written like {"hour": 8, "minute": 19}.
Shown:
{"hour": 10, "minute": 3}
